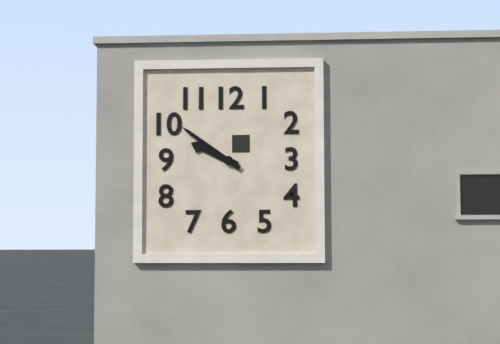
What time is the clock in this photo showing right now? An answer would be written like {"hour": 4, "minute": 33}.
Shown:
{"hour": 9, "minute": 51}
